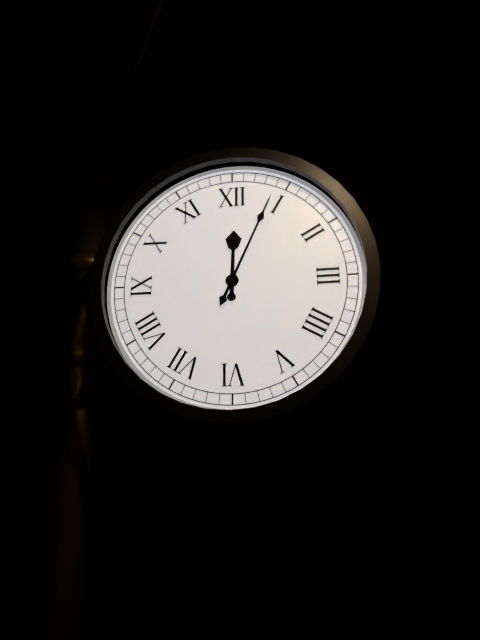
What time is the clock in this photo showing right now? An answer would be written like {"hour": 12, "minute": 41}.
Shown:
{"hour": 12, "minute": 4}
